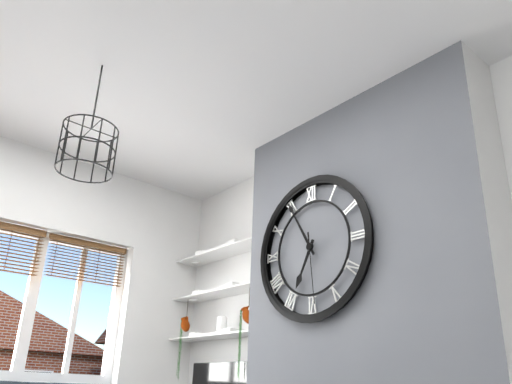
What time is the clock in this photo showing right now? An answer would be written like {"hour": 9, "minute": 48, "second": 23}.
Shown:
{"hour": 6, "minute": 55, "second": 29}
